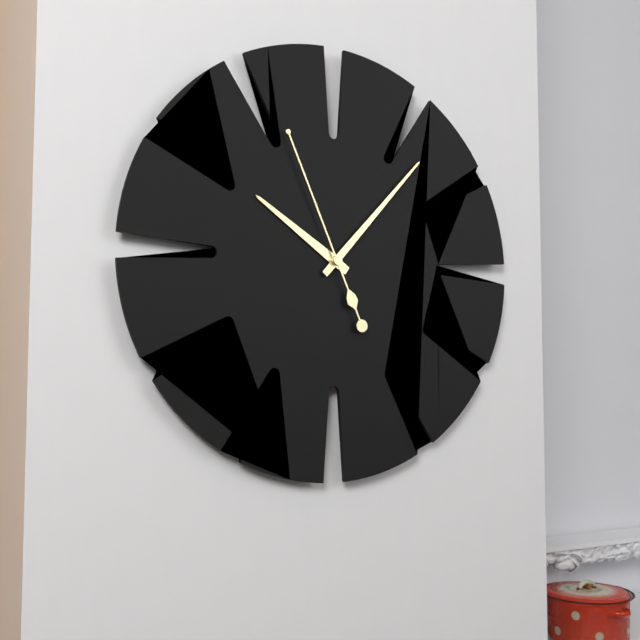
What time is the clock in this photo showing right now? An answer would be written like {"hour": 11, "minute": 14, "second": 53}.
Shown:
{"hour": 10, "minute": 7, "second": 56}
